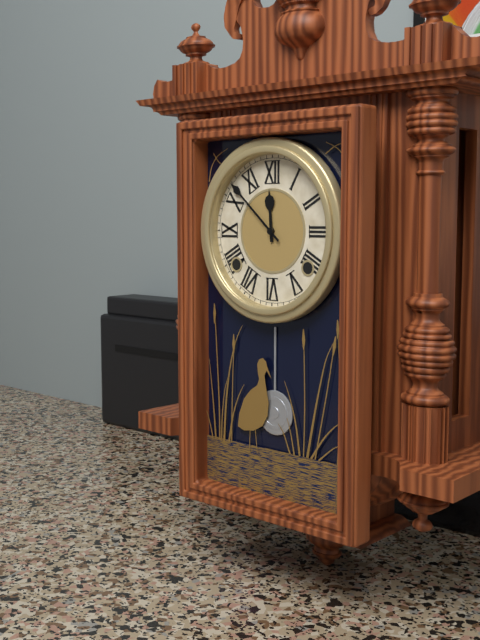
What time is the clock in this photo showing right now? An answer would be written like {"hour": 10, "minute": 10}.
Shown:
{"hour": 11, "minute": 52}
